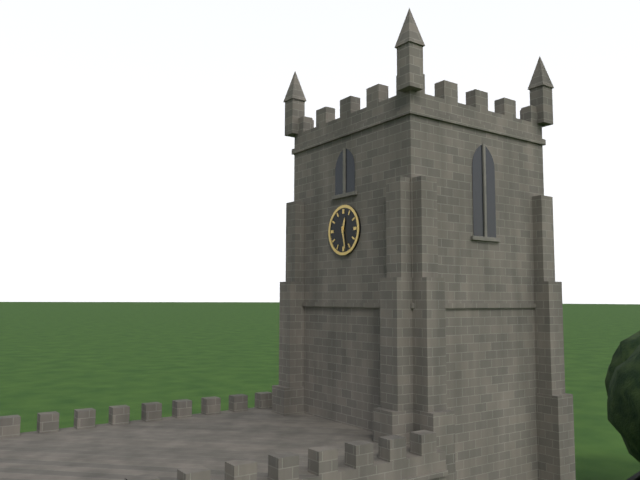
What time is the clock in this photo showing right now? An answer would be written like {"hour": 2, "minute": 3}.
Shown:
{"hour": 12, "minute": 28}
